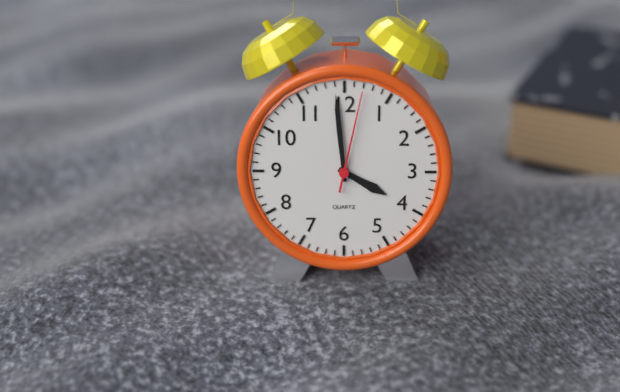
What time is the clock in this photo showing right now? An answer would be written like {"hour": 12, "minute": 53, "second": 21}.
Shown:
{"hour": 3, "minute": 59, "second": 2}
